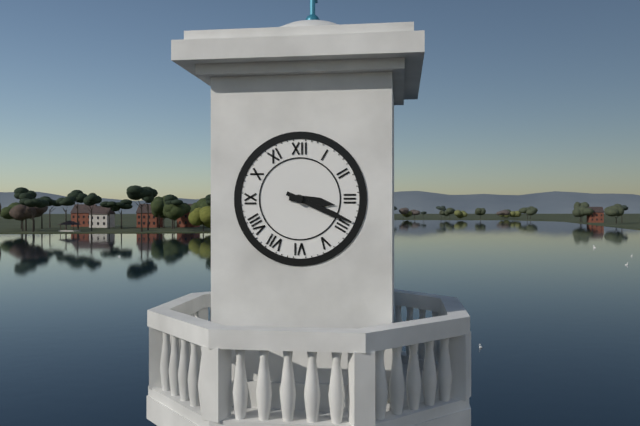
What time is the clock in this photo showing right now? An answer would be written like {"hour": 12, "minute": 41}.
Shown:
{"hour": 3, "minute": 19}
